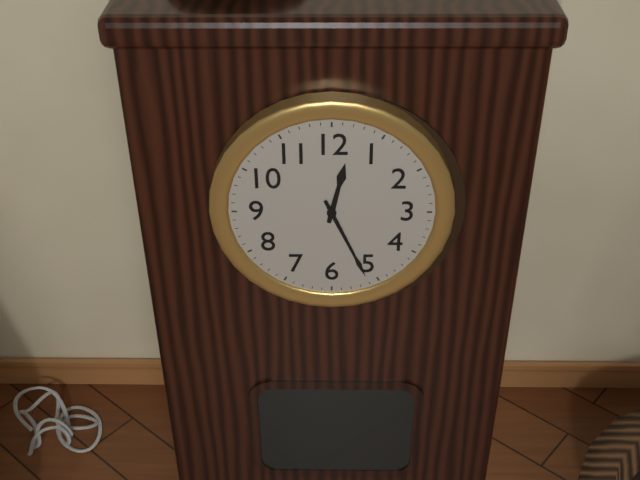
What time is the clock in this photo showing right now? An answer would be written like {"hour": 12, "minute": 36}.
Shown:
{"hour": 12, "minute": 26}
